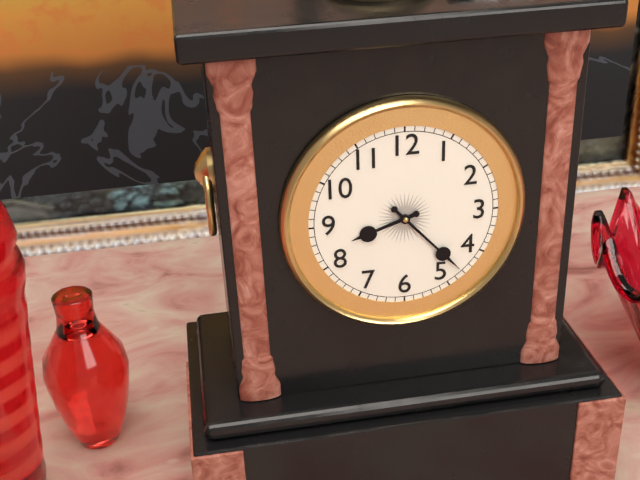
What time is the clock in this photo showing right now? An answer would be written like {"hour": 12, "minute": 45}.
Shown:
{"hour": 8, "minute": 23}
